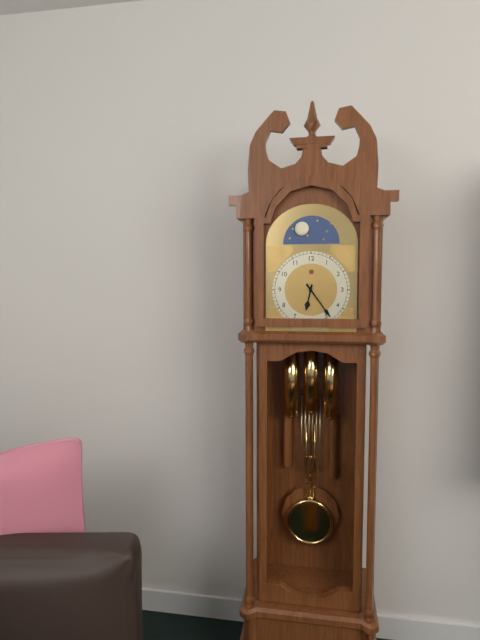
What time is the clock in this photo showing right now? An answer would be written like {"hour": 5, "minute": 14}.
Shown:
{"hour": 6, "minute": 24}
